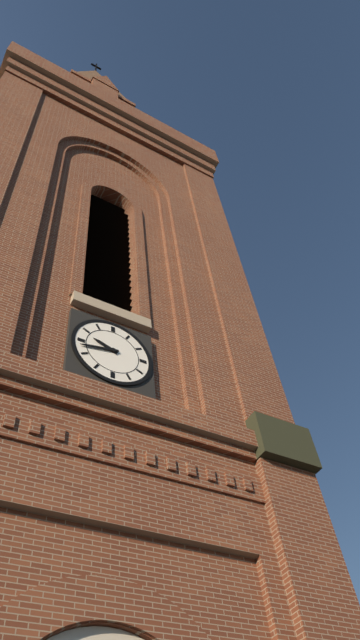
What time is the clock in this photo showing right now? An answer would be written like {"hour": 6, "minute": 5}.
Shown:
{"hour": 9, "minute": 43}
